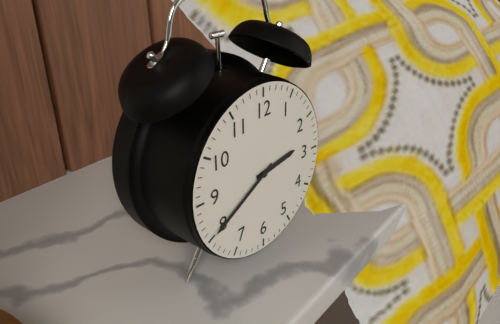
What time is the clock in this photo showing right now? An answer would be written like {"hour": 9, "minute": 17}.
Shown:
{"hour": 2, "minute": 40}
